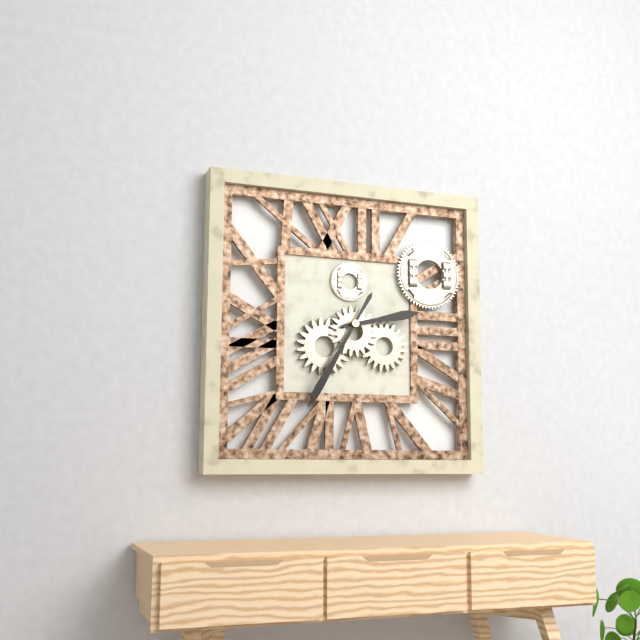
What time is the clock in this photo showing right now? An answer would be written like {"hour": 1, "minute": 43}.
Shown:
{"hour": 2, "minute": 35}
